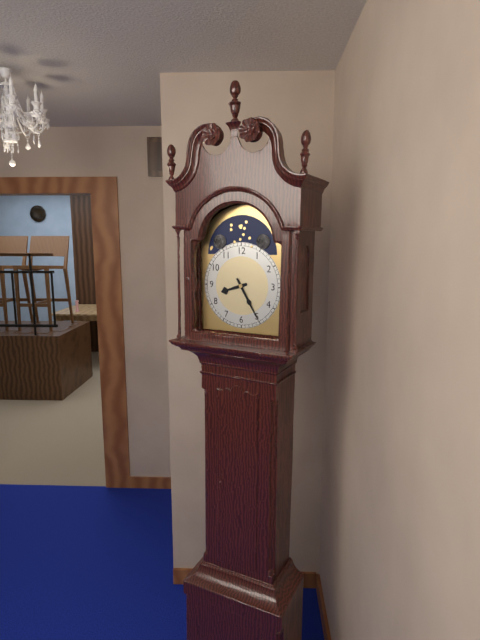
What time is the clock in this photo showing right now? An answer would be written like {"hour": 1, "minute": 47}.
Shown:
{"hour": 8, "minute": 25}
